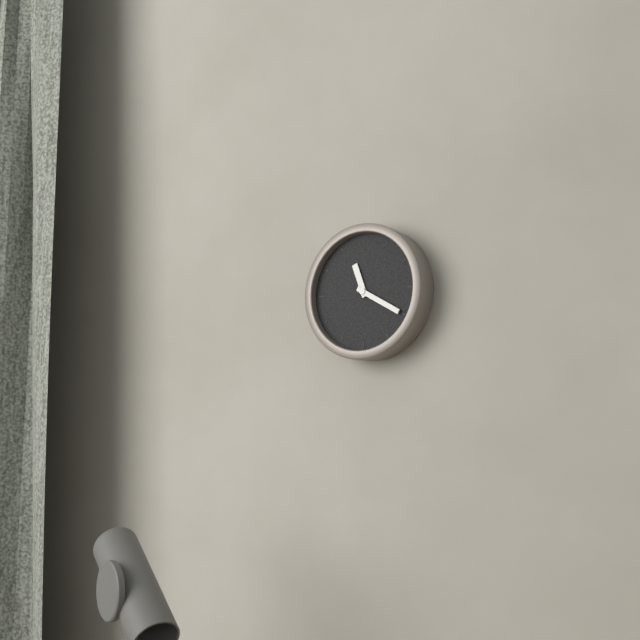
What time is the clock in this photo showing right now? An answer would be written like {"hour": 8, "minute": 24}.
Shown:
{"hour": 11, "minute": 20}
